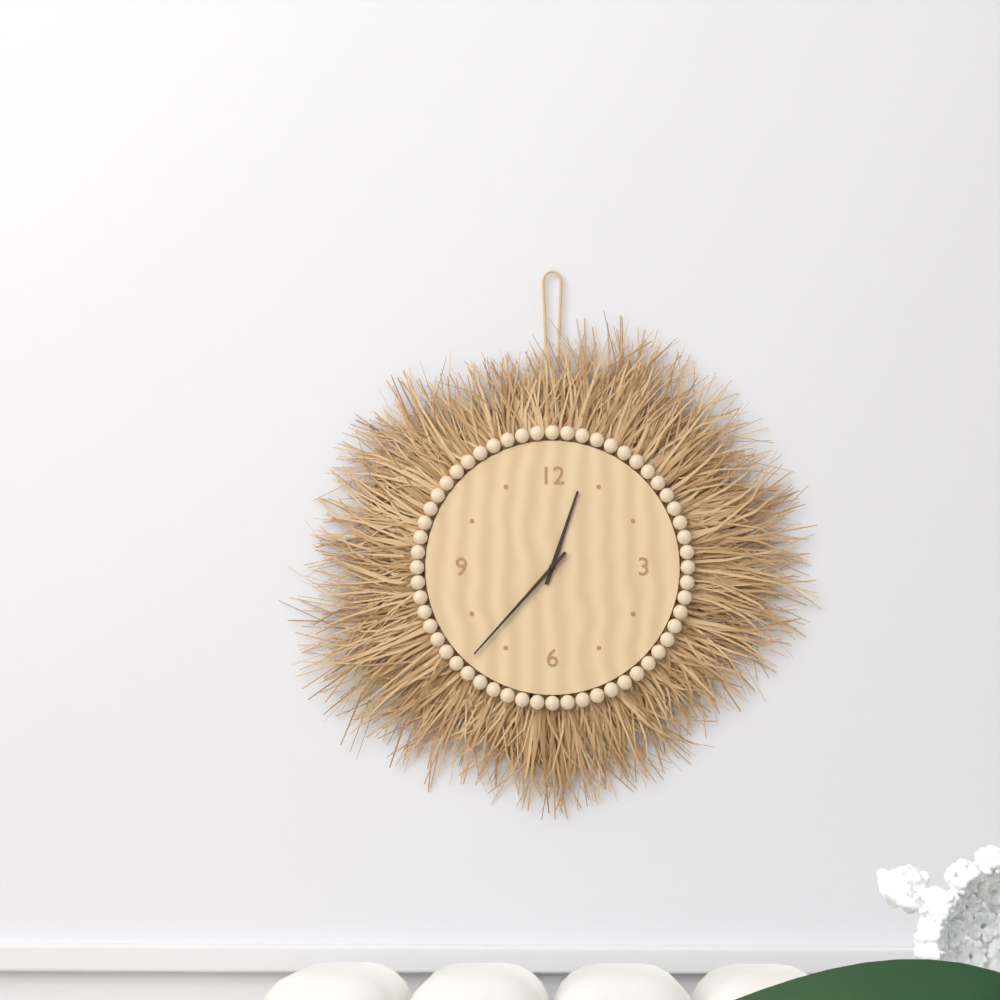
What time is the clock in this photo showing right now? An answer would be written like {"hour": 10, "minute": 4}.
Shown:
{"hour": 12, "minute": 37}
